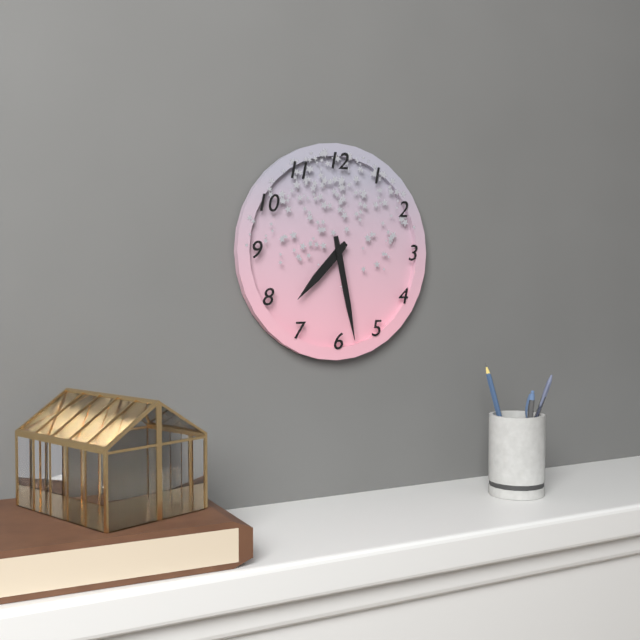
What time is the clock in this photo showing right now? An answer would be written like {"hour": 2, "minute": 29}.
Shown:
{"hour": 7, "minute": 28}
